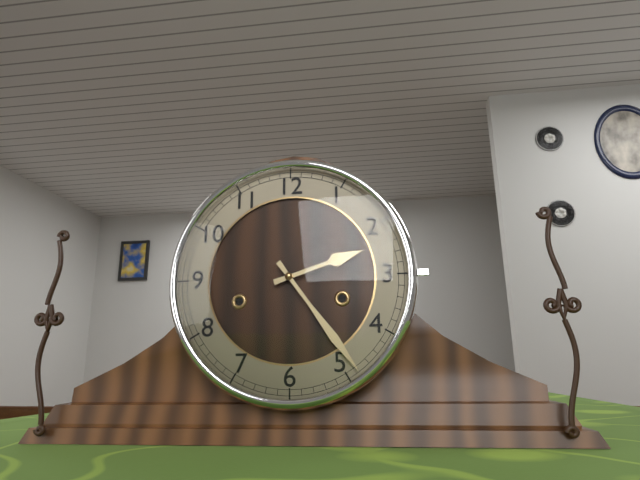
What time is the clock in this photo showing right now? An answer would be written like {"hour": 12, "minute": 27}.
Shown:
{"hour": 2, "minute": 24}
